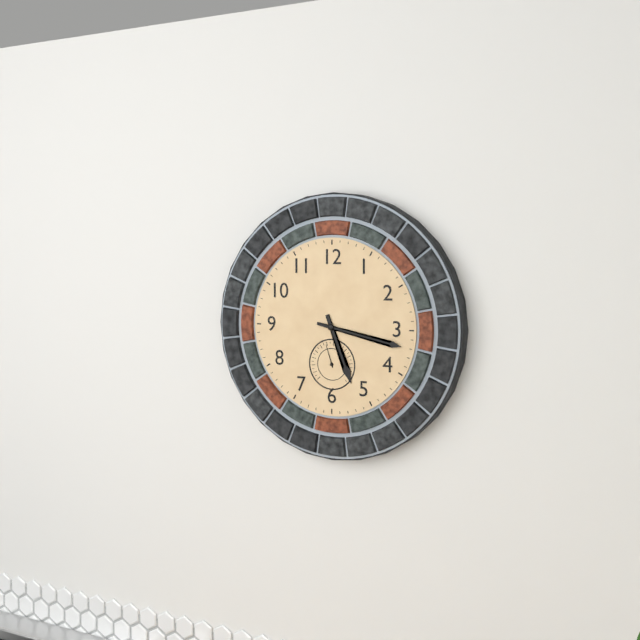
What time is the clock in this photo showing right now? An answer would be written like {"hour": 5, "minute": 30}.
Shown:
{"hour": 5, "minute": 17}
